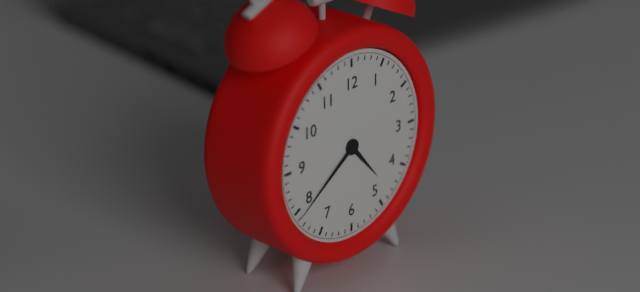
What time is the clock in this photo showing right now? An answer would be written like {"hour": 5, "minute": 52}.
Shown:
{"hour": 4, "minute": 39}
